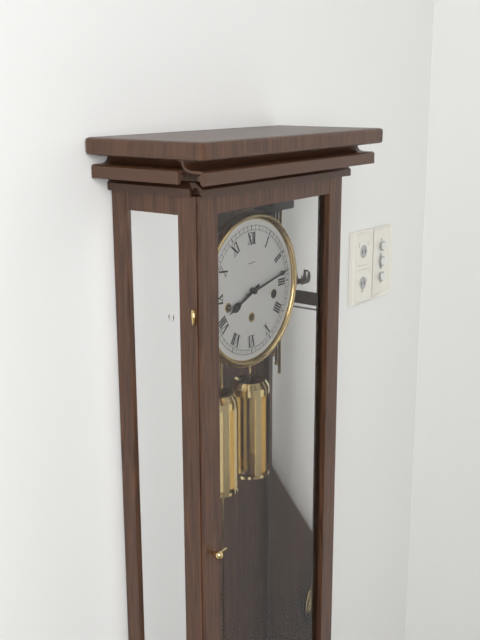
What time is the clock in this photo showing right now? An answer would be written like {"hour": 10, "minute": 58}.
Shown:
{"hour": 8, "minute": 13}
